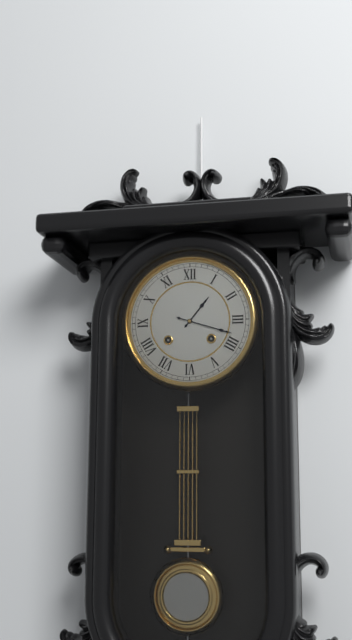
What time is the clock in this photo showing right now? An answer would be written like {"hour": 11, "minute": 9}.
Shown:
{"hour": 1, "minute": 18}
